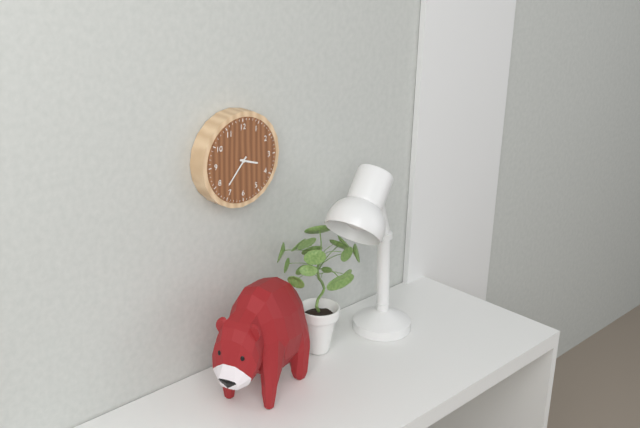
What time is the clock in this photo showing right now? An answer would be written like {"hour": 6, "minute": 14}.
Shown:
{"hour": 3, "minute": 37}
